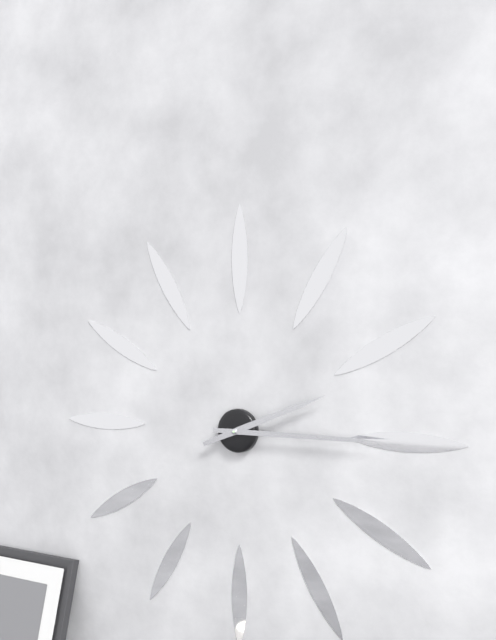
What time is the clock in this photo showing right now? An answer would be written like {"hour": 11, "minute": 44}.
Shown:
{"hour": 2, "minute": 15}
